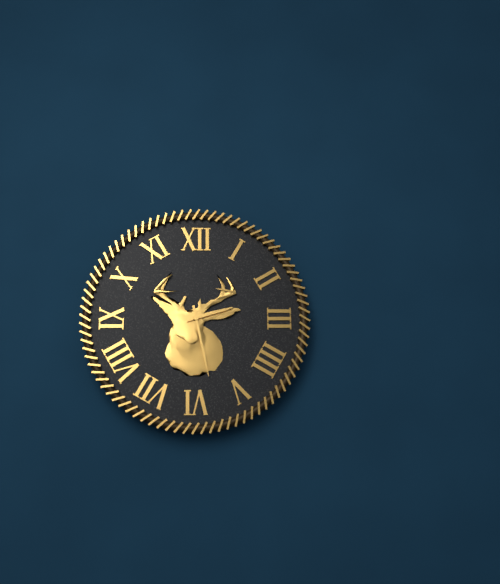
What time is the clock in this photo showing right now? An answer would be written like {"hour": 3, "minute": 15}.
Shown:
{"hour": 2, "minute": 28}
